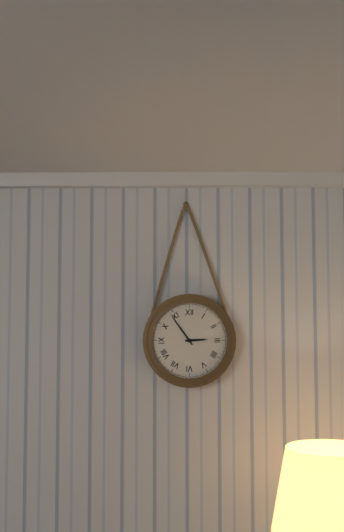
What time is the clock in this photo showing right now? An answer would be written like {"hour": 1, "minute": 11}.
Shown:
{"hour": 2, "minute": 54}
